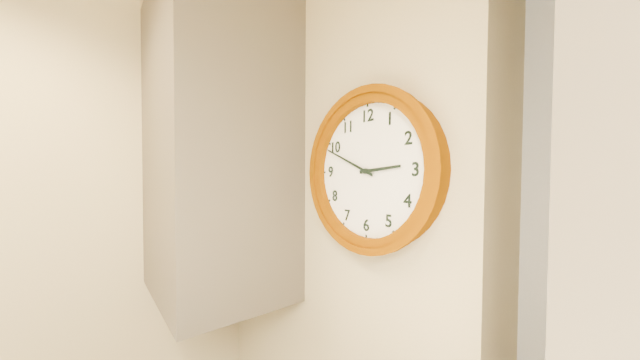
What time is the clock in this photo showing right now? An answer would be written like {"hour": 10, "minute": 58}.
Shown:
{"hour": 2, "minute": 49}
